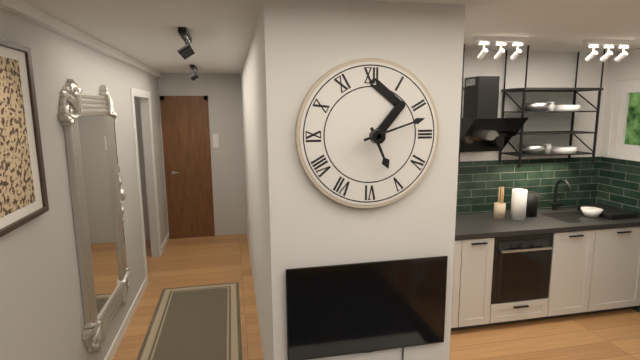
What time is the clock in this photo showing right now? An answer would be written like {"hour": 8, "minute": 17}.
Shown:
{"hour": 5, "minute": 12}
